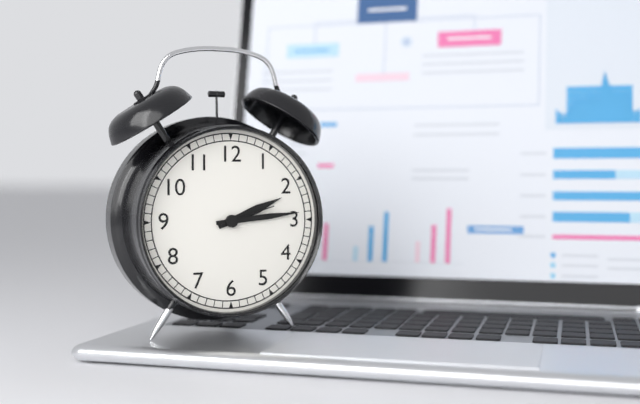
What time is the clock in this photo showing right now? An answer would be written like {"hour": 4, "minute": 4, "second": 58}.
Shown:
{"hour": 2, "minute": 14, "second": 12}
